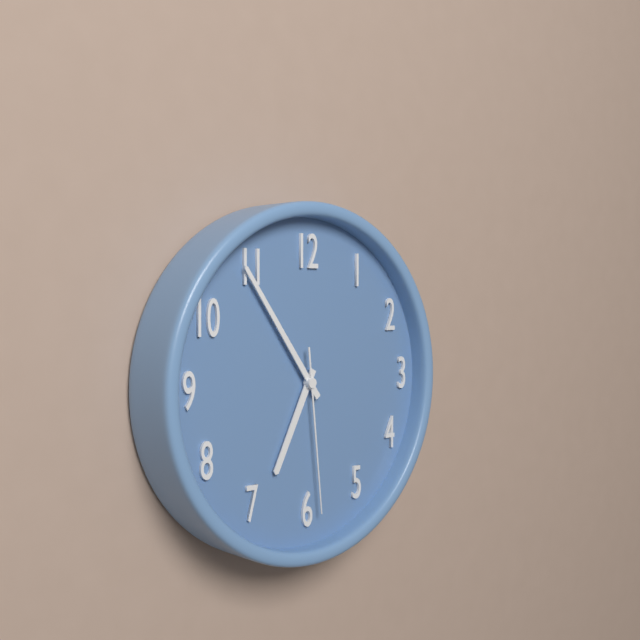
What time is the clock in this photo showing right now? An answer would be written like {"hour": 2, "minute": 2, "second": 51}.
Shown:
{"hour": 6, "minute": 54, "second": 29}
